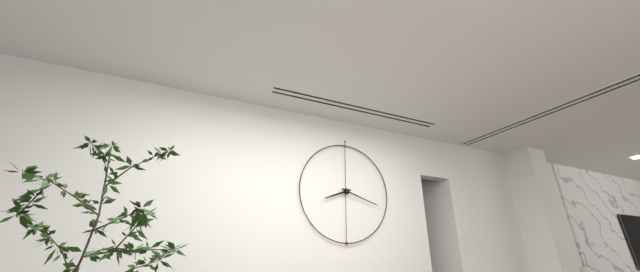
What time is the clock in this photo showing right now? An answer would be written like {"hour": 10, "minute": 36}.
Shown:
{"hour": 8, "minute": 18}
